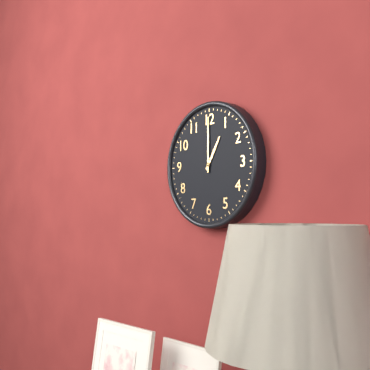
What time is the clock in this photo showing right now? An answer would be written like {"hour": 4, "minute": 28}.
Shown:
{"hour": 1, "minute": 0}
